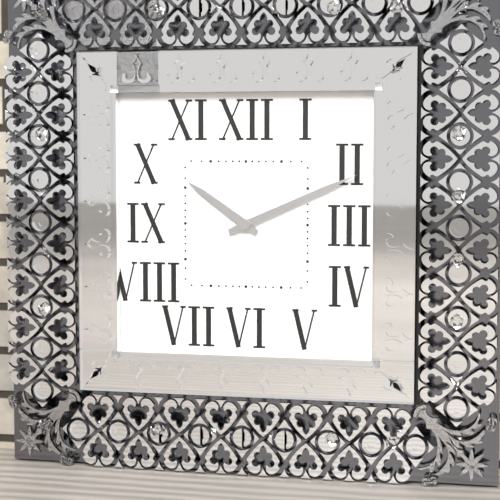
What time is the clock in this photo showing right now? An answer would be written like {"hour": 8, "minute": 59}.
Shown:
{"hour": 10, "minute": 11}
